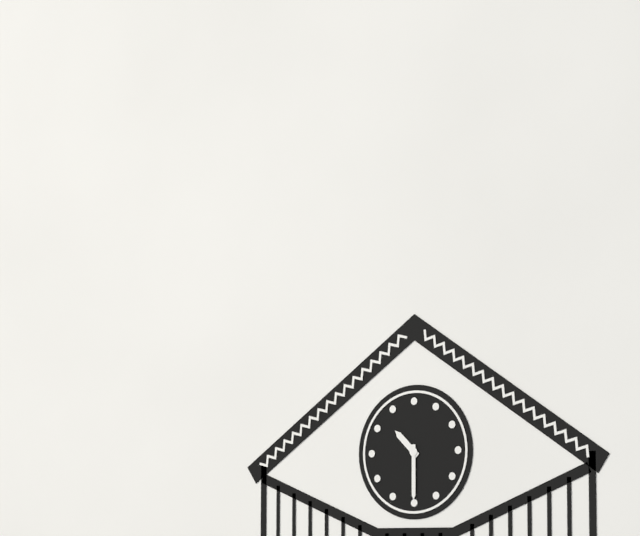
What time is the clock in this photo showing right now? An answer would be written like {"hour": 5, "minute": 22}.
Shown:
{"hour": 10, "minute": 30}
